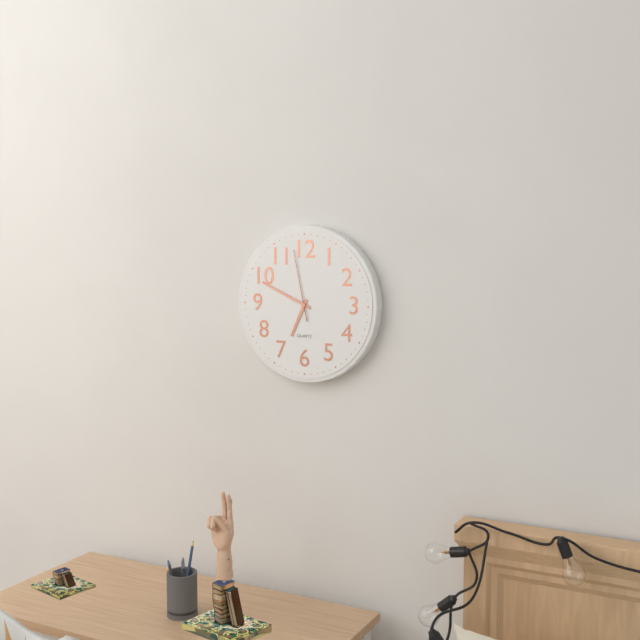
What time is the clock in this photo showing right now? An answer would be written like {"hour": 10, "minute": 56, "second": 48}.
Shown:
{"hour": 6, "minute": 49, "second": 58}
